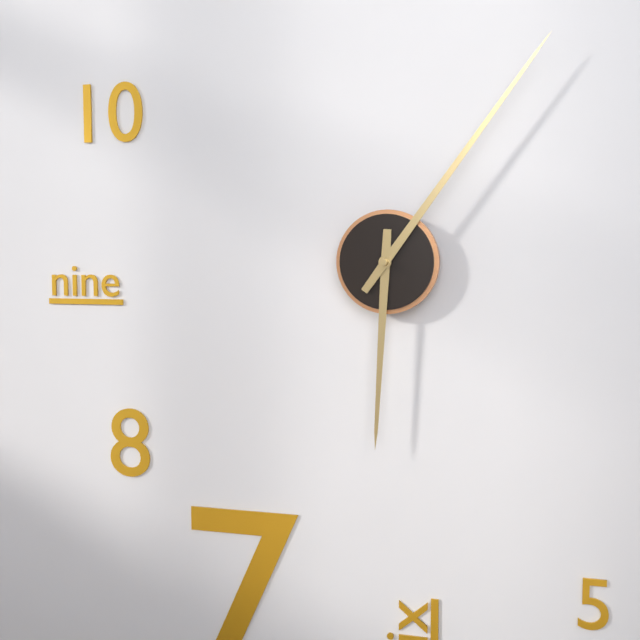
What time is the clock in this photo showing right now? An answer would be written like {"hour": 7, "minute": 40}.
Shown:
{"hour": 6, "minute": 6}
